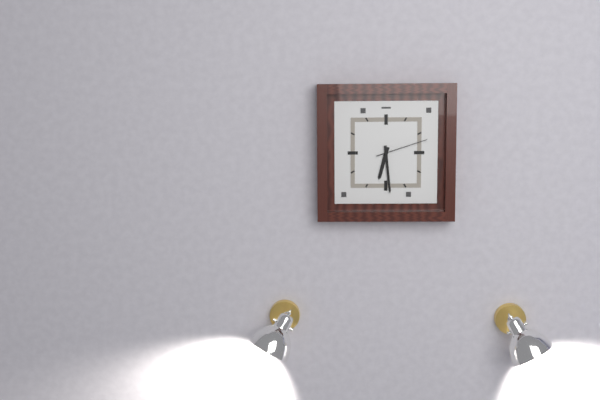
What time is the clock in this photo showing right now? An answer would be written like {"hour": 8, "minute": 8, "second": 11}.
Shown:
{"hour": 6, "minute": 29, "second": 12}
